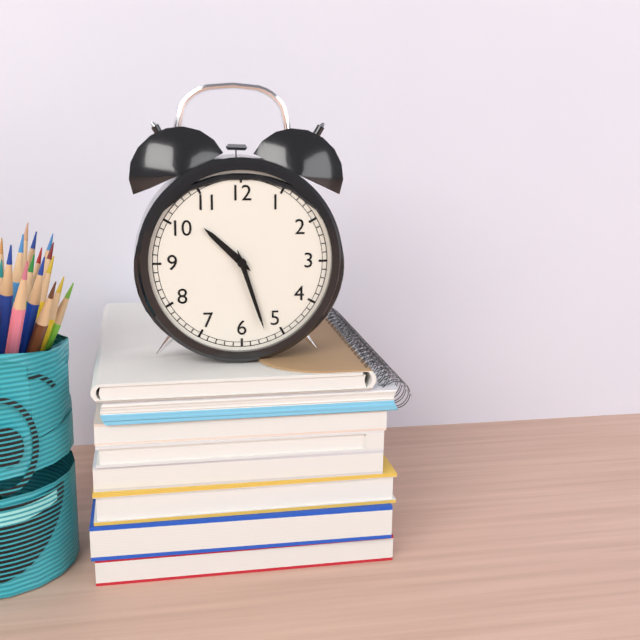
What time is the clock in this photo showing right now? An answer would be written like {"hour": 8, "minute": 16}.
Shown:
{"hour": 10, "minute": 27}
